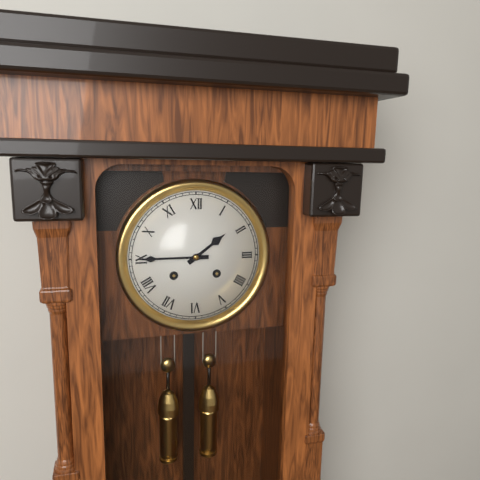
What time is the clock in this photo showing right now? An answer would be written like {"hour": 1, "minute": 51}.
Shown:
{"hour": 1, "minute": 45}
